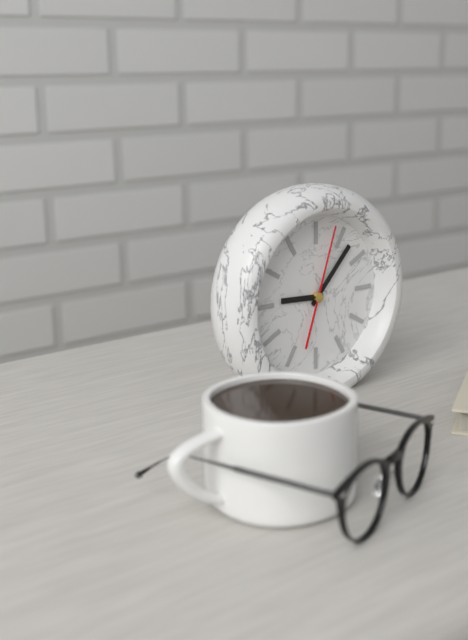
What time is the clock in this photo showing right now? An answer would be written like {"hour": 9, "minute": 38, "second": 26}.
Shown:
{"hour": 9, "minute": 7, "second": 3}
